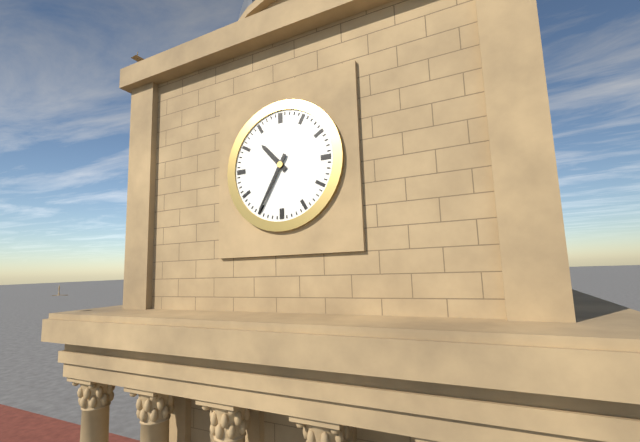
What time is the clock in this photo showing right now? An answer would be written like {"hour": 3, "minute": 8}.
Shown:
{"hour": 10, "minute": 35}
